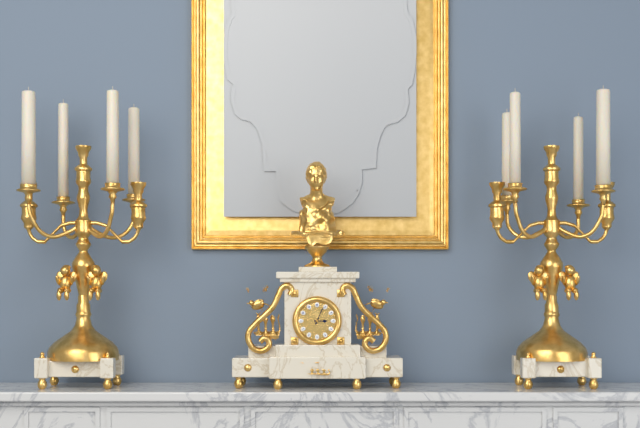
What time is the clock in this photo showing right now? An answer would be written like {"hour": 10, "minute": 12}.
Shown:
{"hour": 3, "minute": 4}
